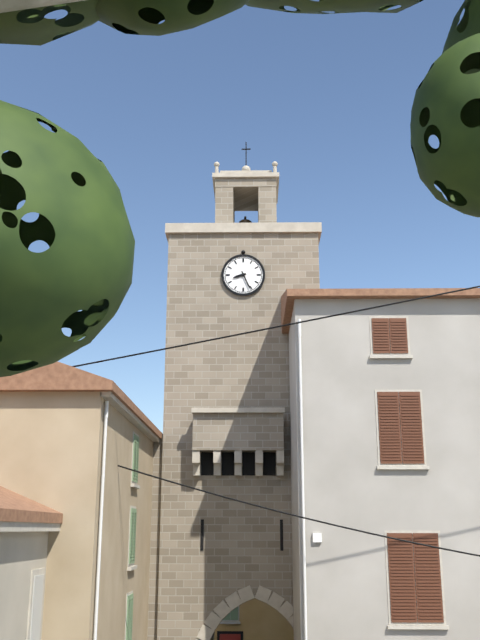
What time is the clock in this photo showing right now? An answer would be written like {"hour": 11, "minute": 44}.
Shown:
{"hour": 8, "minute": 26}
